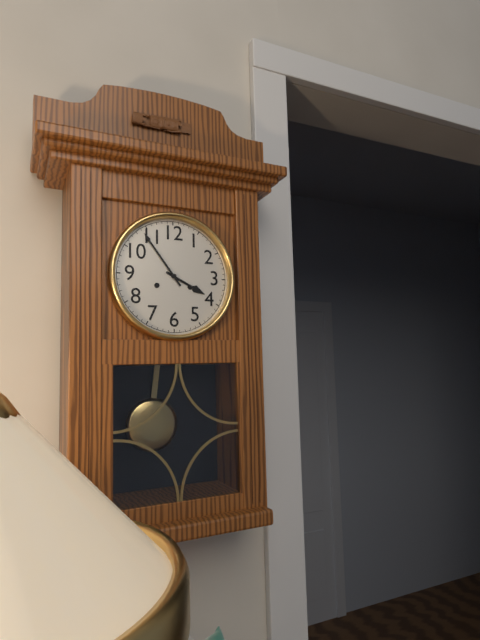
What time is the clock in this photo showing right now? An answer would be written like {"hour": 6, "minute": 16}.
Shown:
{"hour": 3, "minute": 54}
